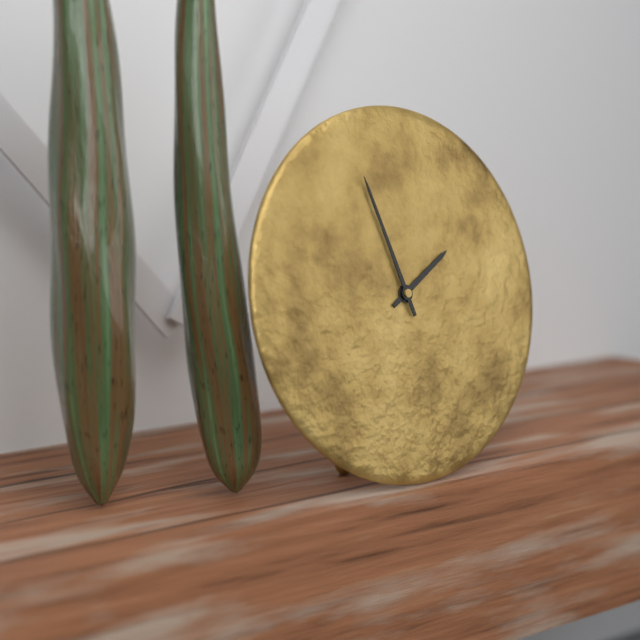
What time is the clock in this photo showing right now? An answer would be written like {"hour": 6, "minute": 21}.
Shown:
{"hour": 1, "minute": 57}
